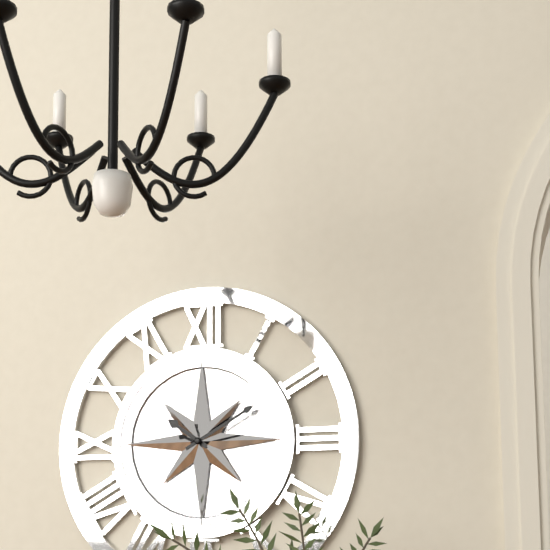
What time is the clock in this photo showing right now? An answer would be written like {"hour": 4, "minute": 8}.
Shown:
{"hour": 10, "minute": 10}
